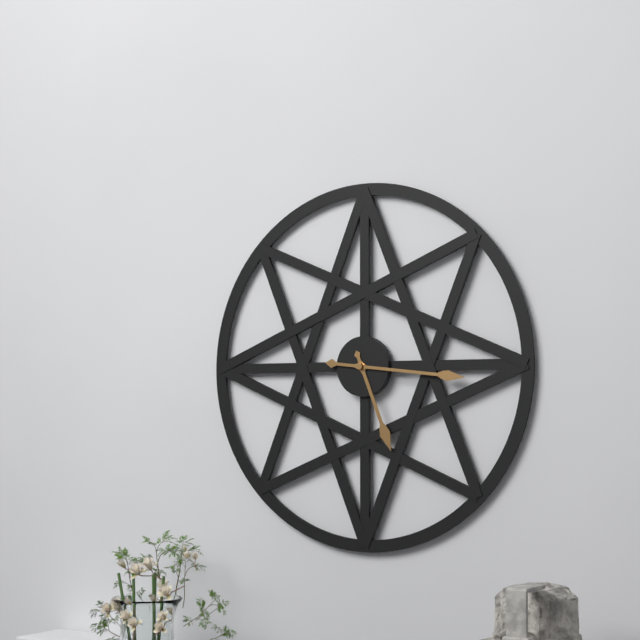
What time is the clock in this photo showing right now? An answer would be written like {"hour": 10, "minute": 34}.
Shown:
{"hour": 5, "minute": 16}
